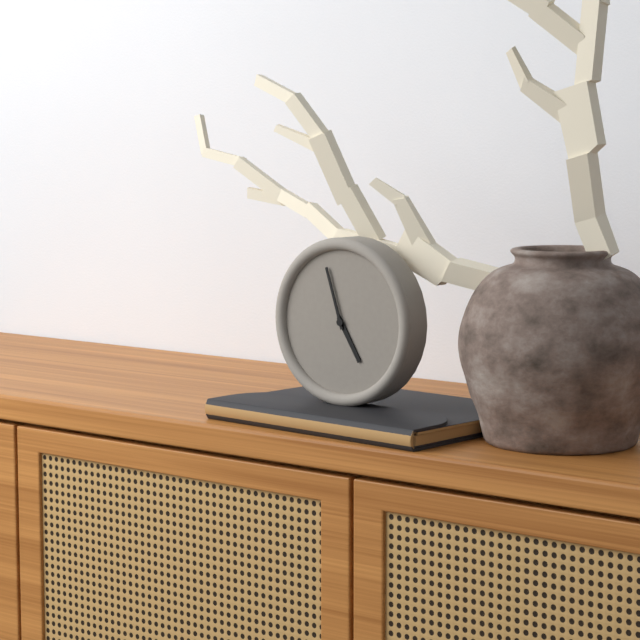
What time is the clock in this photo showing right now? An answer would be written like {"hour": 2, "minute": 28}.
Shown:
{"hour": 4, "minute": 57}
